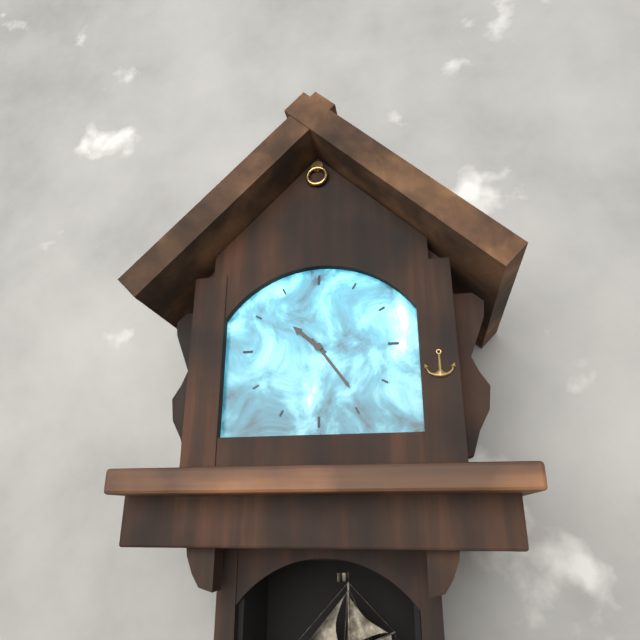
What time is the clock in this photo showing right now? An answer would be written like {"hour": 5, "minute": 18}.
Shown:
{"hour": 10, "minute": 24}
